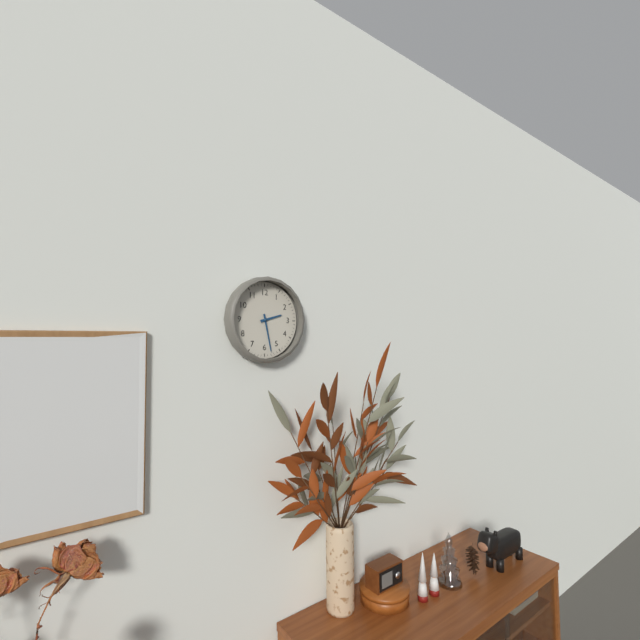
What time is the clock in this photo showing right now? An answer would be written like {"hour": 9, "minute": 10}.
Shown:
{"hour": 2, "minute": 28}
